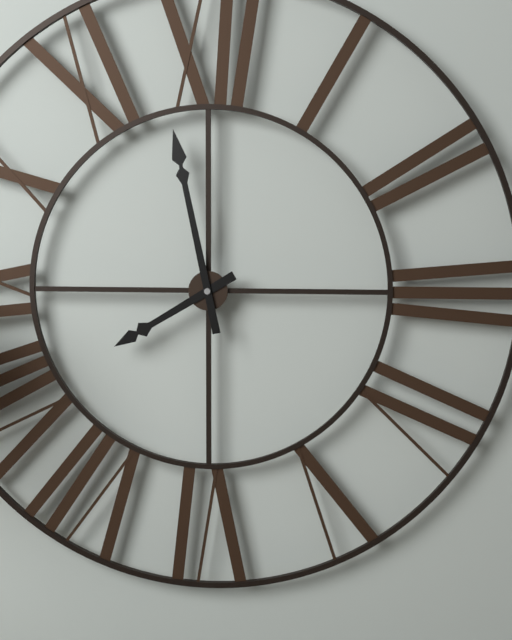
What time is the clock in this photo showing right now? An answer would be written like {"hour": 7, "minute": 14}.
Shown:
{"hour": 7, "minute": 58}
